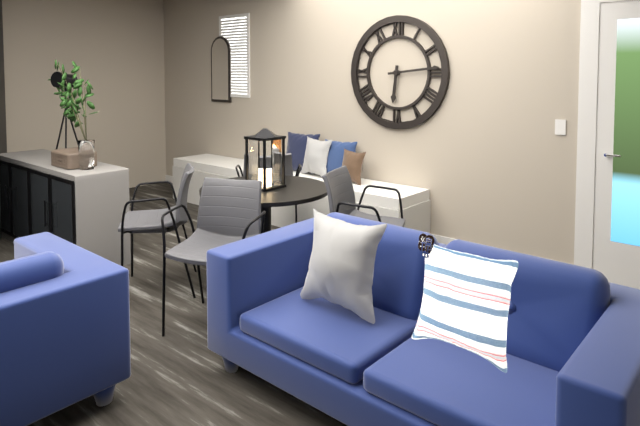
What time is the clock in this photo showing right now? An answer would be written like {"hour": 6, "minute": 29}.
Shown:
{"hour": 6, "minute": 14}
